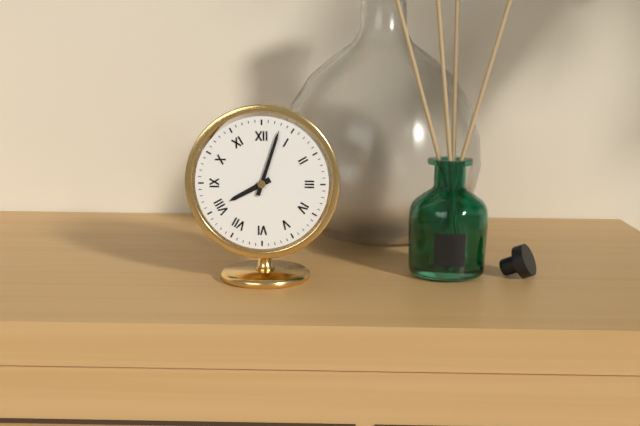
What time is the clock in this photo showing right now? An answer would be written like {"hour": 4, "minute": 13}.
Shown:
{"hour": 8, "minute": 3}
